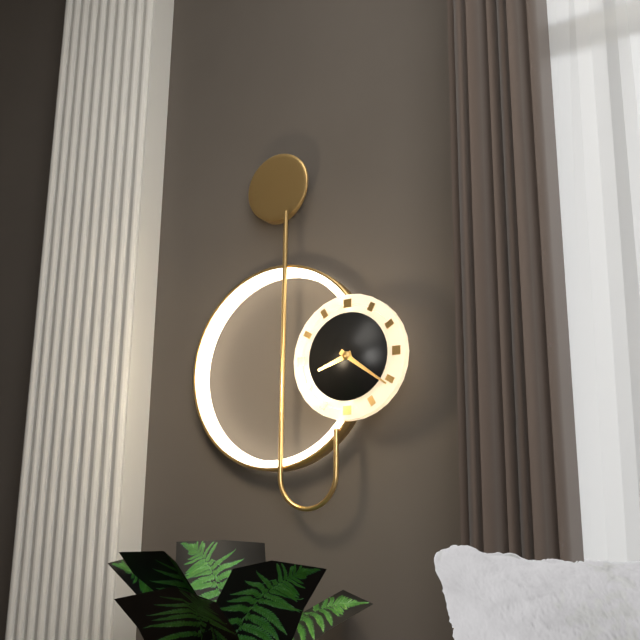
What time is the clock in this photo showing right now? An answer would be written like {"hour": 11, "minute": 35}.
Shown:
{"hour": 8, "minute": 21}
